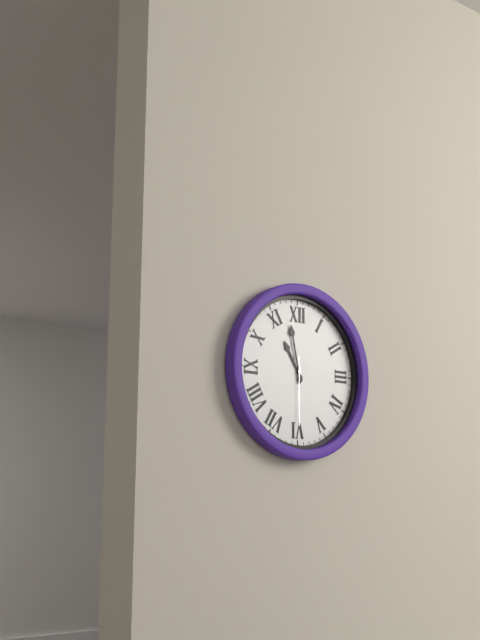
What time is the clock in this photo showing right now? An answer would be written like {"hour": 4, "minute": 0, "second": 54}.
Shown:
{"hour": 10, "minute": 58, "second": 30}
